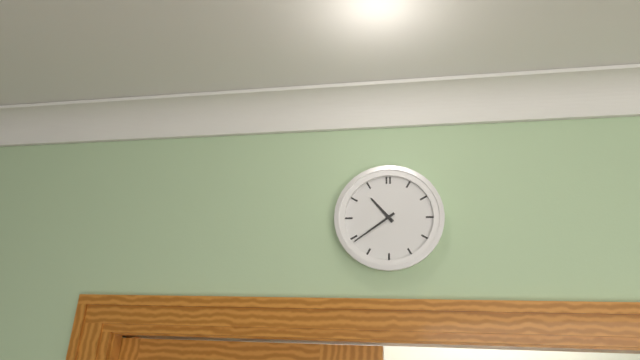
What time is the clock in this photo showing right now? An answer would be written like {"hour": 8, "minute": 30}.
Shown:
{"hour": 10, "minute": 39}
